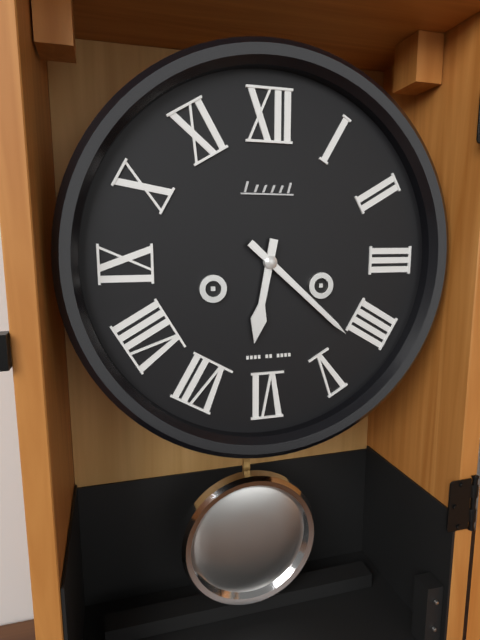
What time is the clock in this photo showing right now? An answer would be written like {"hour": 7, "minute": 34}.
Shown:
{"hour": 6, "minute": 22}
